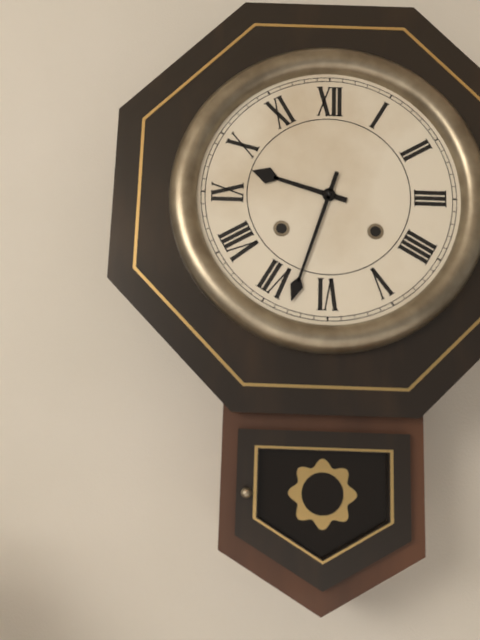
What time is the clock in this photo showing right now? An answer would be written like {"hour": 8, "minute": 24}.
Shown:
{"hour": 9, "minute": 33}
